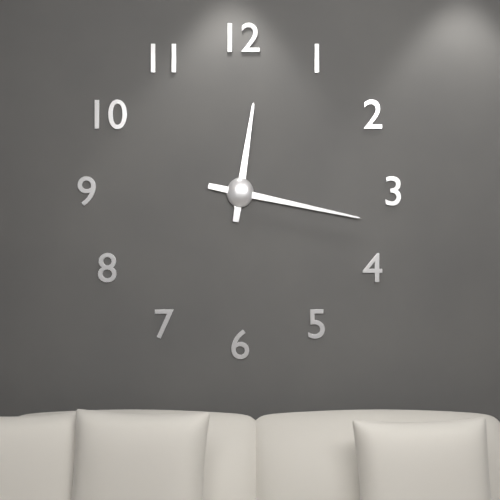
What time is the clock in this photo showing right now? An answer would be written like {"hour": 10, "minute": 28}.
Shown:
{"hour": 12, "minute": 17}
